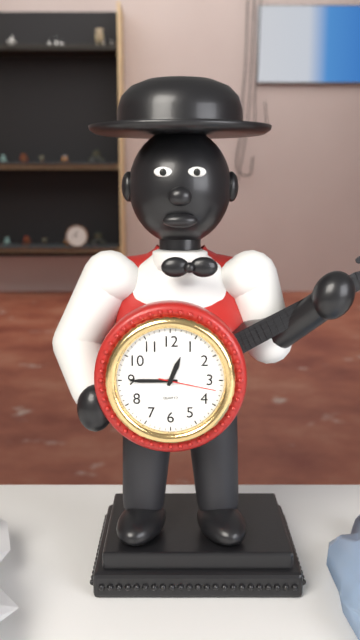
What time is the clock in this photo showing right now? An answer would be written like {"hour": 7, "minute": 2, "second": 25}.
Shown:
{"hour": 12, "minute": 45, "second": 17}
